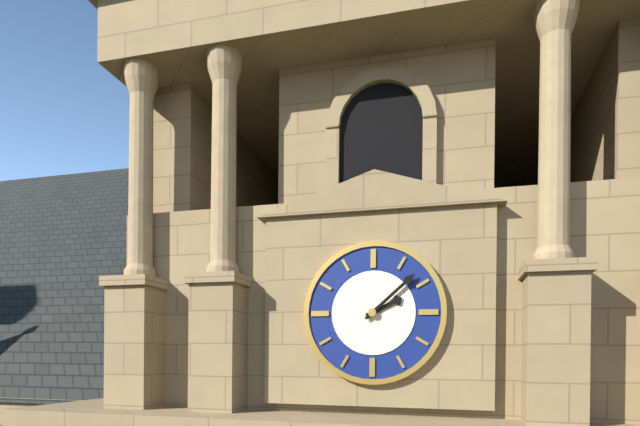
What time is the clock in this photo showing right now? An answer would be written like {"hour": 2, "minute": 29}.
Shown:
{"hour": 2, "minute": 8}
